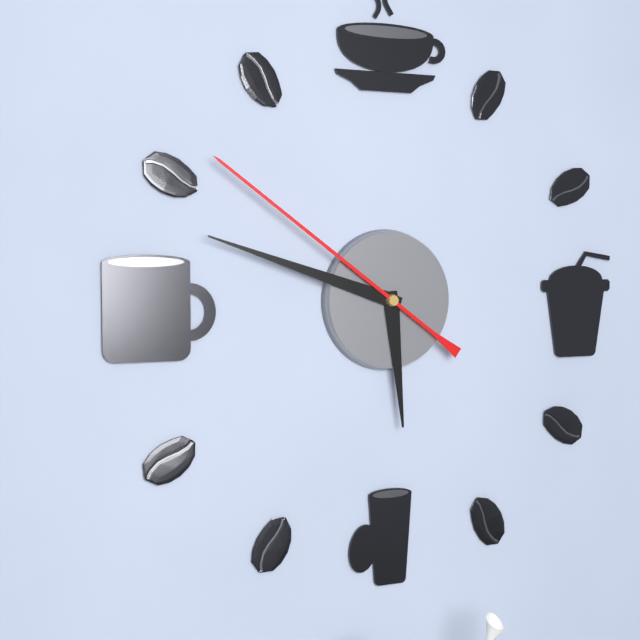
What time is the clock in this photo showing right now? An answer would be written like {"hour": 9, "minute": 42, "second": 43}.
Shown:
{"hour": 5, "minute": 48, "second": 51}
